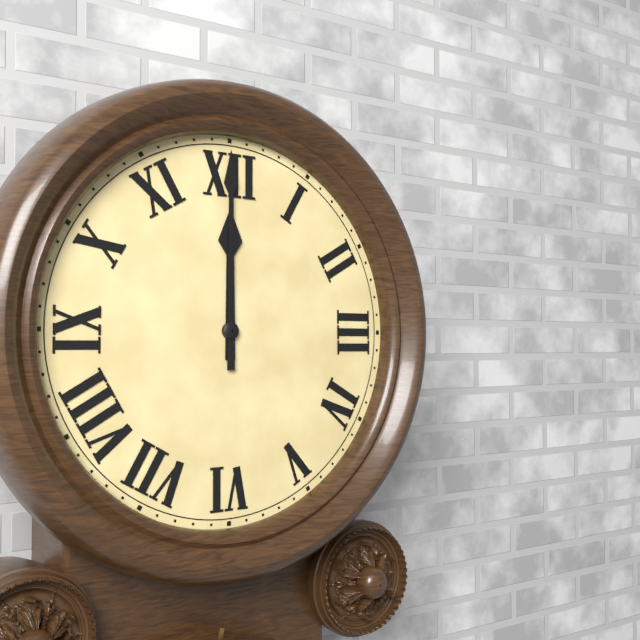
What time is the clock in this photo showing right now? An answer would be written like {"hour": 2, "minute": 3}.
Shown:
{"hour": 12, "minute": 0}
